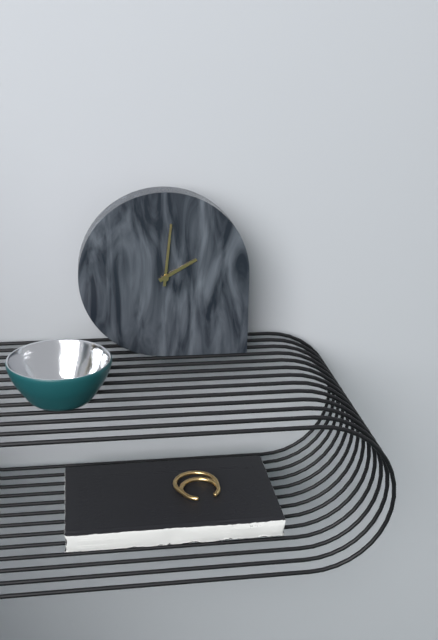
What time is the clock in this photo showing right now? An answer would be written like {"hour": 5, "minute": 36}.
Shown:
{"hour": 2, "minute": 1}
